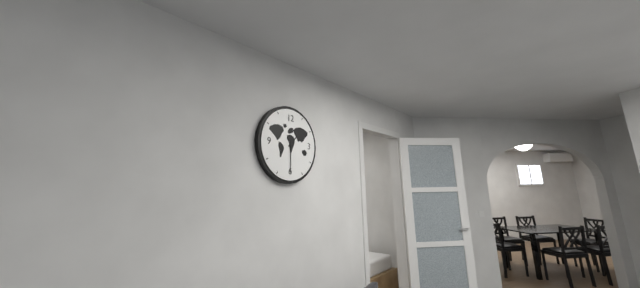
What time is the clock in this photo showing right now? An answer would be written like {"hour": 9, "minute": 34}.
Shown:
{"hour": 1, "minute": 30}
